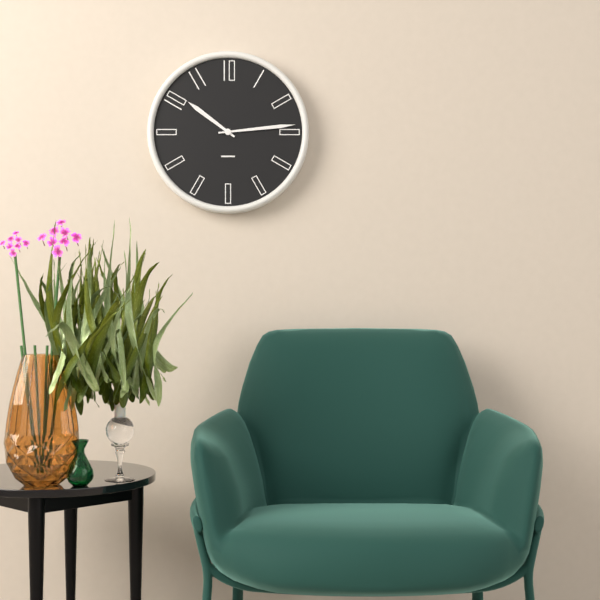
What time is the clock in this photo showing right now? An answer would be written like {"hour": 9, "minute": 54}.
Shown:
{"hour": 10, "minute": 14}
